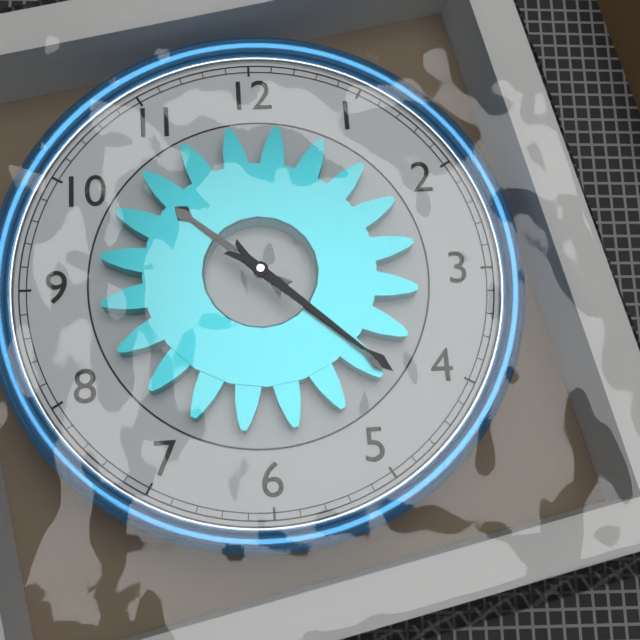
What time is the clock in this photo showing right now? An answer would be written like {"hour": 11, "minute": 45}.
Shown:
{"hour": 10, "minute": 22}
